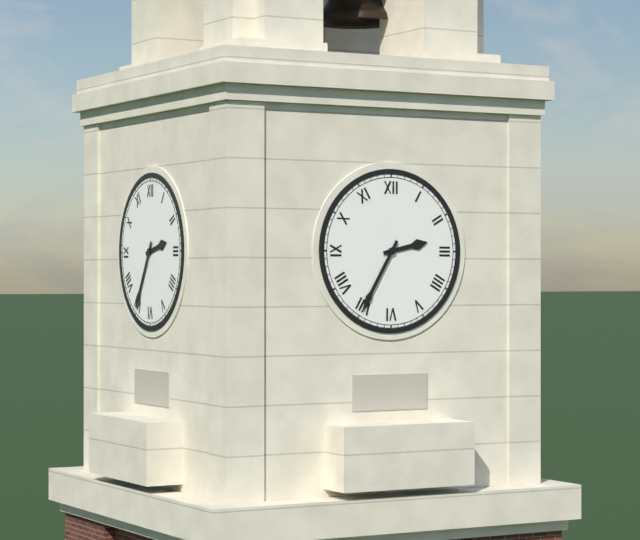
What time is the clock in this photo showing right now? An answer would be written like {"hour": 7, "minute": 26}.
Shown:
{"hour": 2, "minute": 35}
